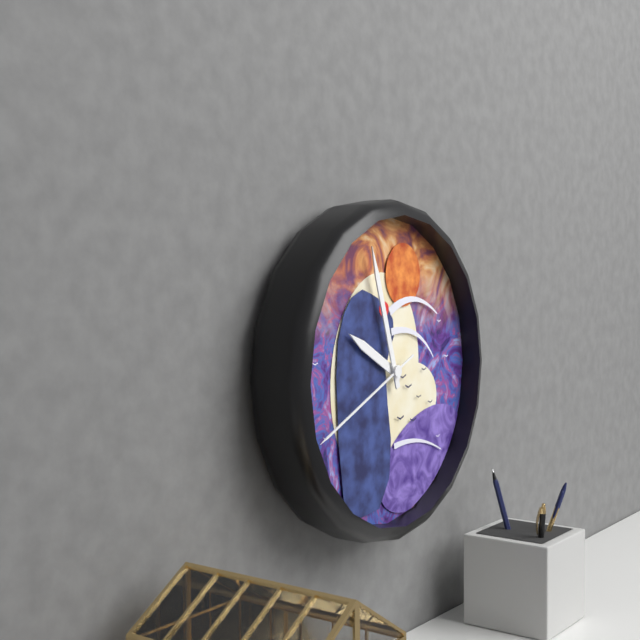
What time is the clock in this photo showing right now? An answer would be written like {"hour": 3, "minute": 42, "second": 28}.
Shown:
{"hour": 9, "minute": 57, "second": 41}
